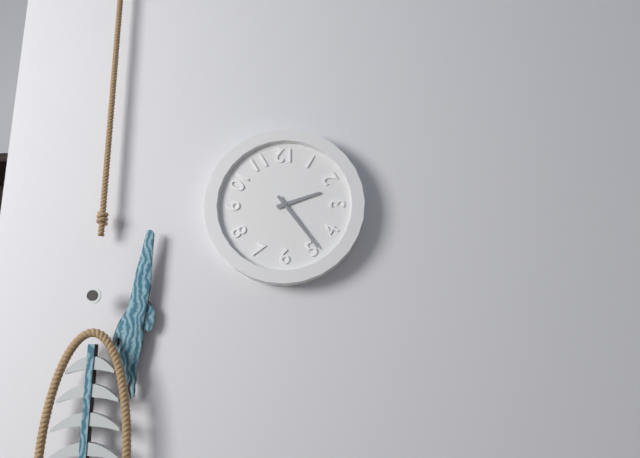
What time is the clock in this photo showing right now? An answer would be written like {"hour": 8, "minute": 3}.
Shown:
{"hour": 2, "minute": 24}
